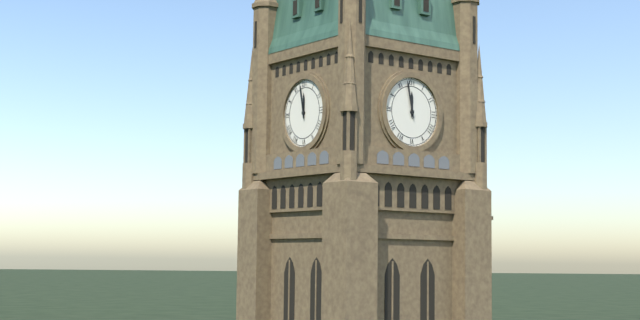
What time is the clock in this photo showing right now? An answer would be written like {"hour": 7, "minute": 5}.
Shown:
{"hour": 11, "minute": 58}
